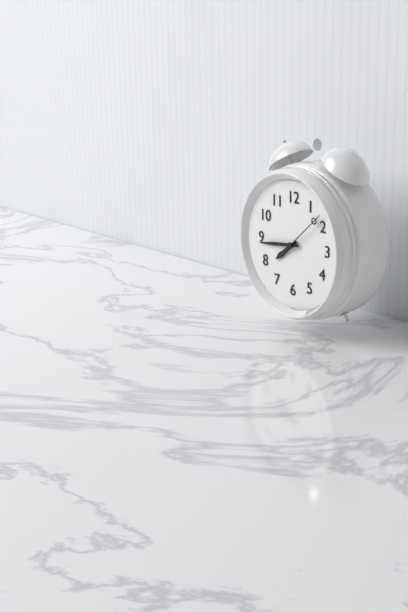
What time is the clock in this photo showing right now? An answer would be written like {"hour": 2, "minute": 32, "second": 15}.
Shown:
{"hour": 7, "minute": 44, "second": 8}
